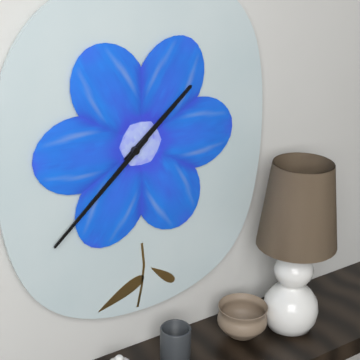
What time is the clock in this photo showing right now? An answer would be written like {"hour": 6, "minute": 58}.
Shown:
{"hour": 1, "minute": 38}
